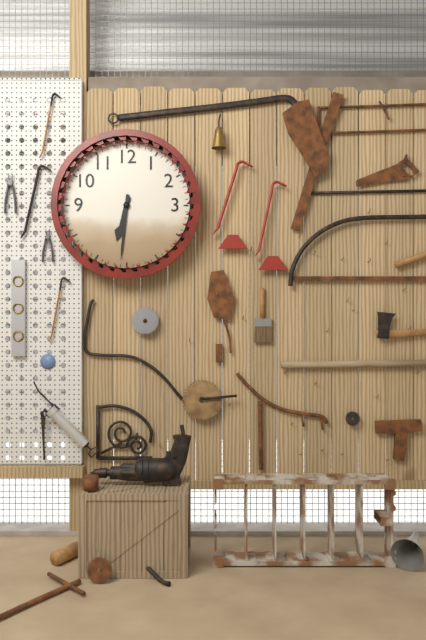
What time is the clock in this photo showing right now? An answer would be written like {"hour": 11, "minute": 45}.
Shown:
{"hour": 6, "minute": 31}
